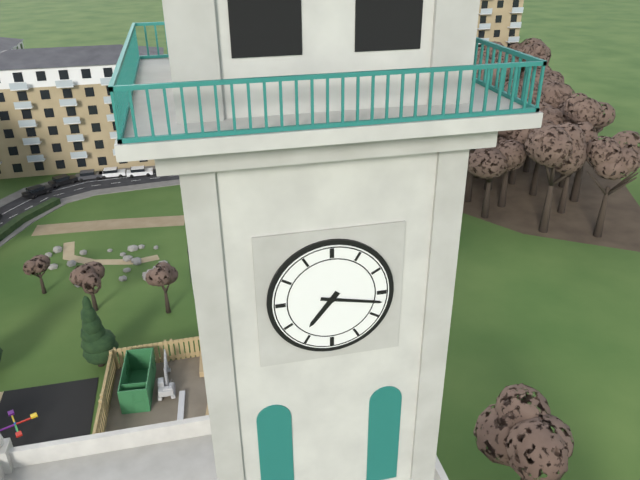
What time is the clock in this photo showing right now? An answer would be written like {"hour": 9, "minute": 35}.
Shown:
{"hour": 7, "minute": 17}
